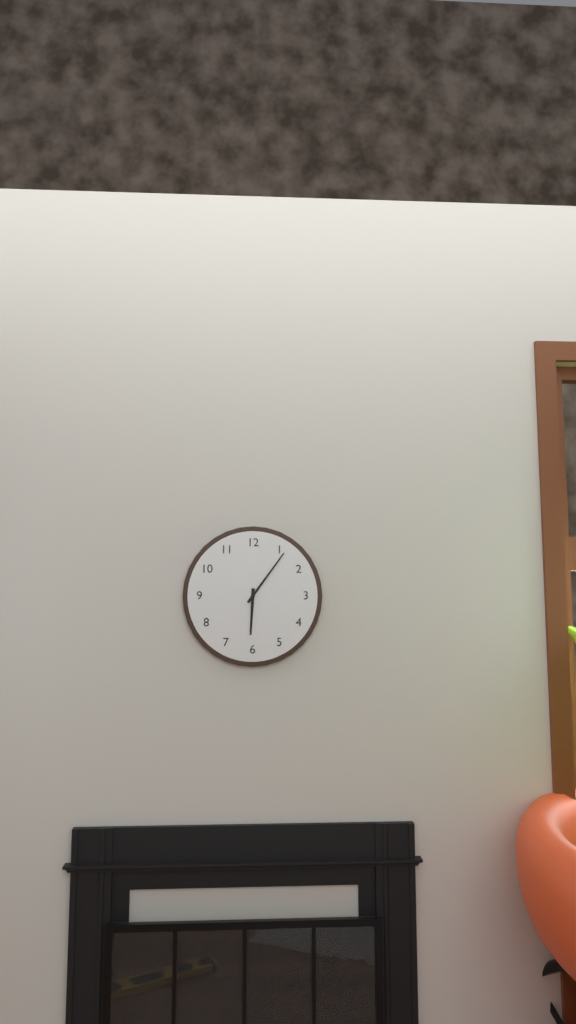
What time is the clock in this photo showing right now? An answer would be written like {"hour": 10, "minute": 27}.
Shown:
{"hour": 6, "minute": 6}
